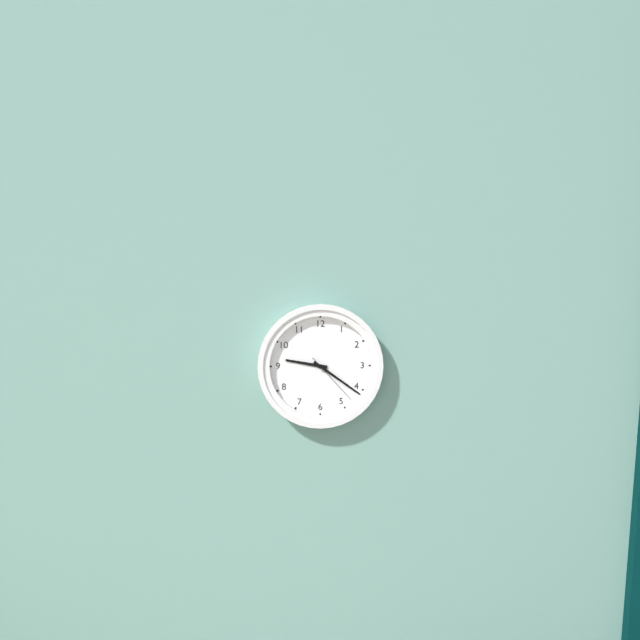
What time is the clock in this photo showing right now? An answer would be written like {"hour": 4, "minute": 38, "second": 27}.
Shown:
{"hour": 9, "minute": 21, "second": 23}
